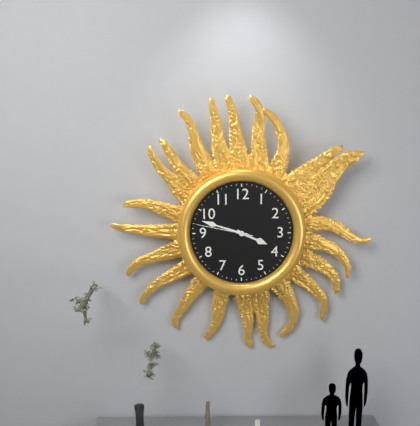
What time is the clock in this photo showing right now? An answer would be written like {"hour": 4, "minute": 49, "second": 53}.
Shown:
{"hour": 3, "minute": 48, "second": 47}
